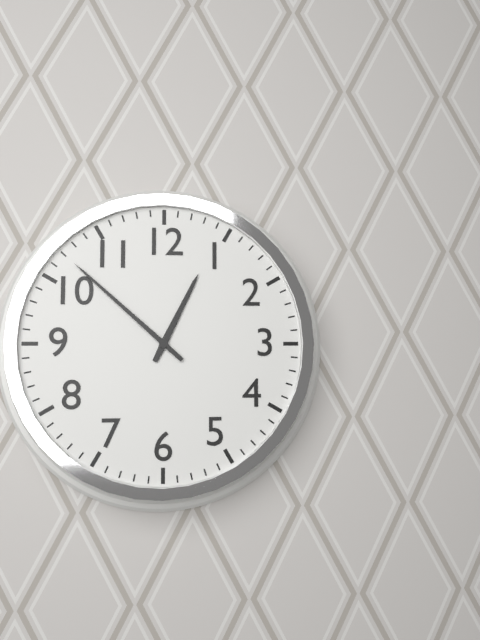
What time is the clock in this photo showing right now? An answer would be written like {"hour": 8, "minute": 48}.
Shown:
{"hour": 12, "minute": 52}
